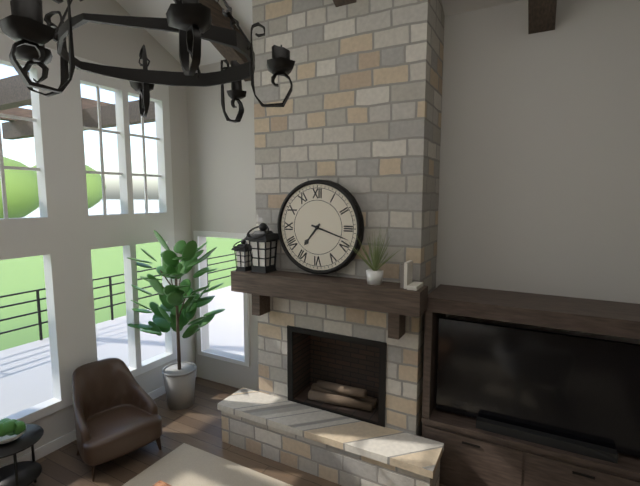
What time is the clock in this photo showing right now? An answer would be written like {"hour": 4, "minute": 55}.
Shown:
{"hour": 7, "minute": 18}
